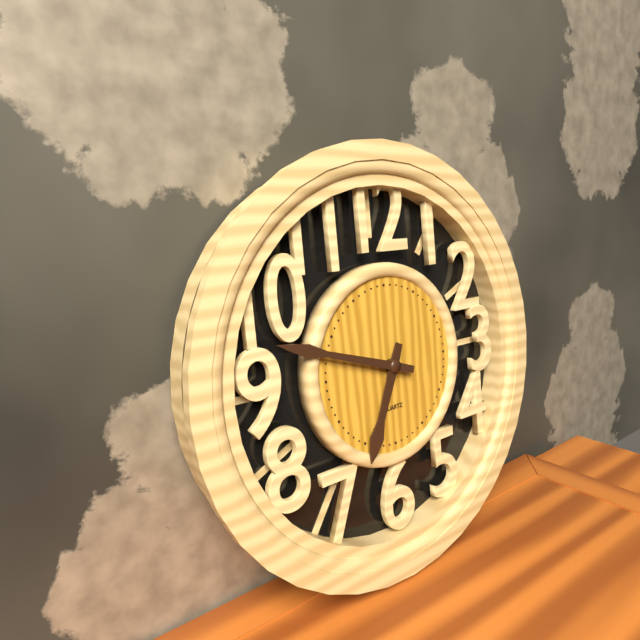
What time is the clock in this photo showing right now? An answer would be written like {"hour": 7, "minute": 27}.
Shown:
{"hour": 6, "minute": 48}
